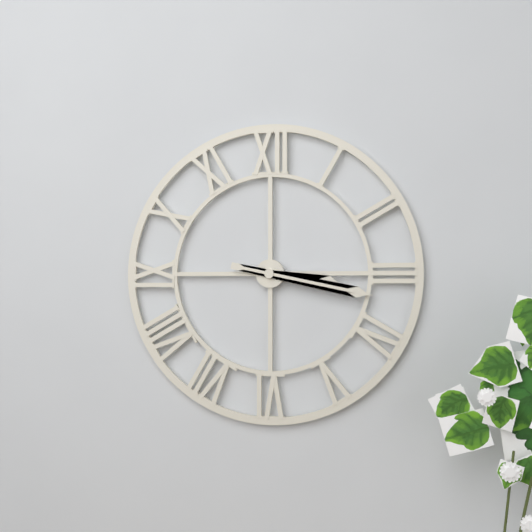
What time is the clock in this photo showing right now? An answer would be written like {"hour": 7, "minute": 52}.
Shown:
{"hour": 3, "minute": 17}
